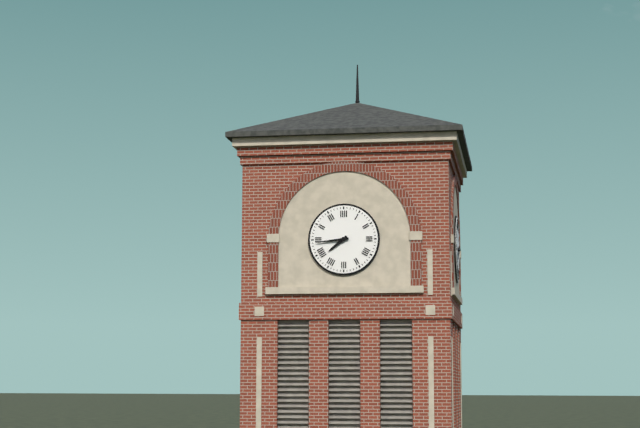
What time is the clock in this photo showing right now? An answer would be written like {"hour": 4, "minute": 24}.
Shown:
{"hour": 7, "minute": 44}
